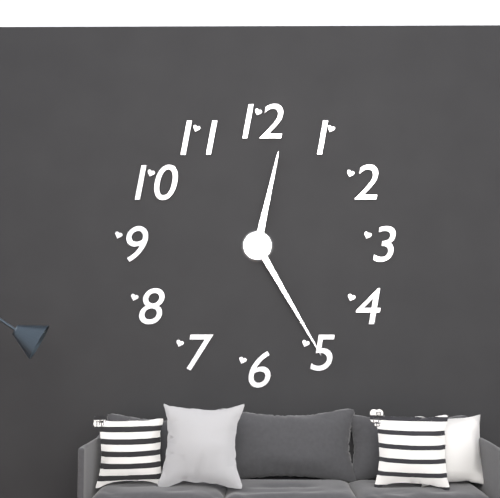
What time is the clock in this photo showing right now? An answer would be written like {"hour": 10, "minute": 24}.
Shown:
{"hour": 12, "minute": 25}
